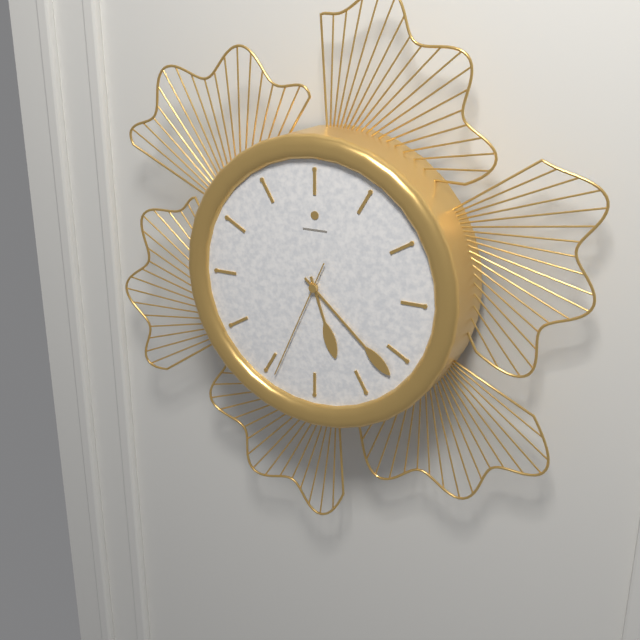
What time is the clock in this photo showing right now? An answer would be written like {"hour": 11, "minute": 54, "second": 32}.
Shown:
{"hour": 5, "minute": 22, "second": 34}
